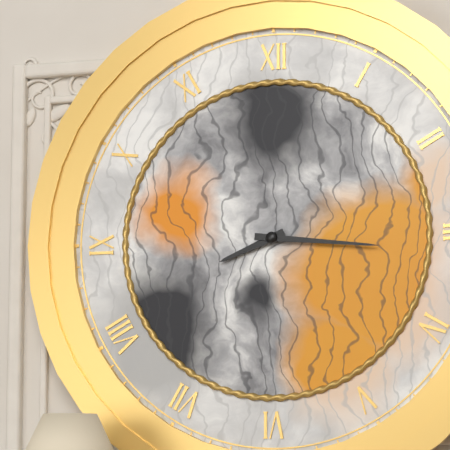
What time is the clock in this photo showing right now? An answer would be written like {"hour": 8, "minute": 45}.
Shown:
{"hour": 8, "minute": 16}
